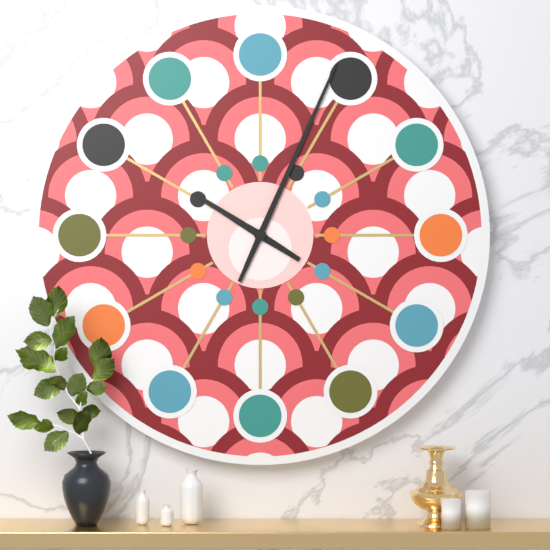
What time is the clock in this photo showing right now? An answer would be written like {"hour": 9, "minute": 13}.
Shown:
{"hour": 10, "minute": 4}
